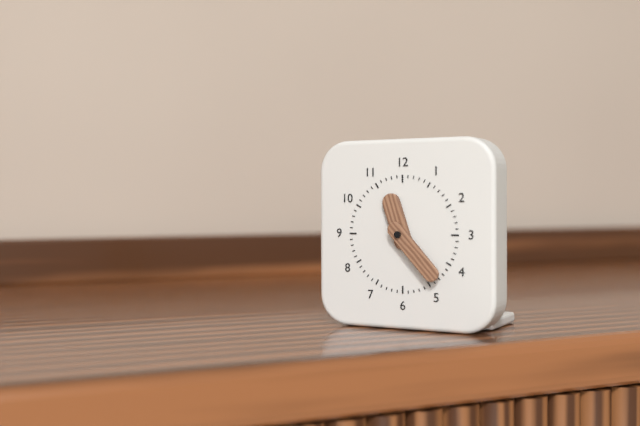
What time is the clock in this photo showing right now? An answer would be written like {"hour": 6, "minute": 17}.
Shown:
{"hour": 11, "minute": 23}
